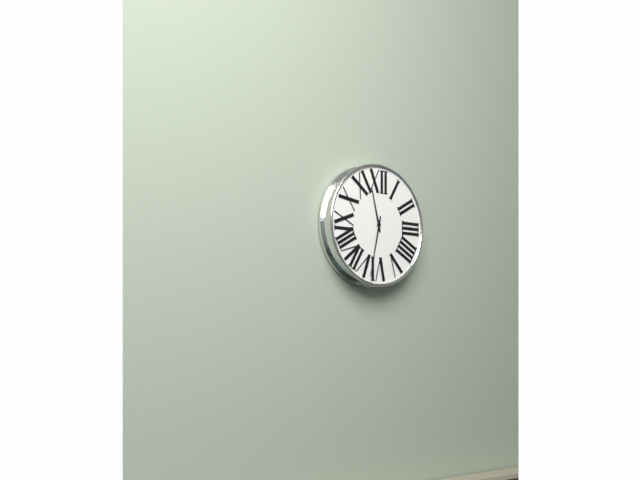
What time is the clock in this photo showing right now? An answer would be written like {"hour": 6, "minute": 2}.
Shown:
{"hour": 11, "minute": 32}
